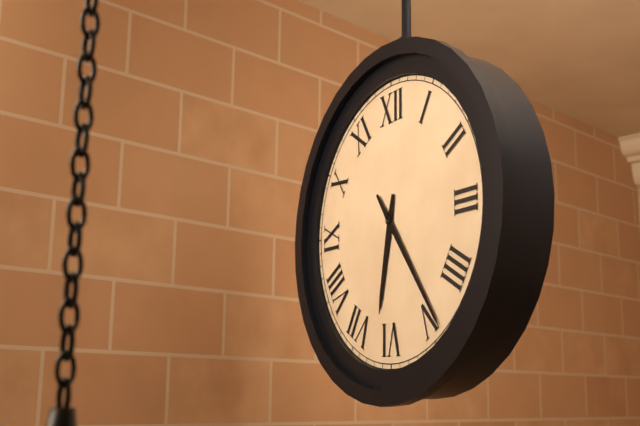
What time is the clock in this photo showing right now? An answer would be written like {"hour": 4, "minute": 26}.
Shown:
{"hour": 6, "minute": 24}
